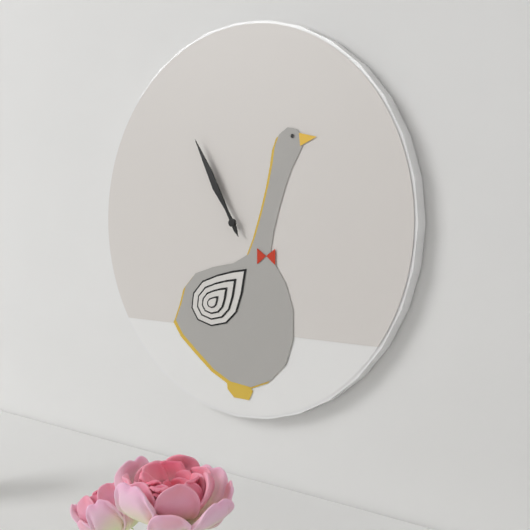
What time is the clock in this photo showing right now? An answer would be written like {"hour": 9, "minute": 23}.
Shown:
{"hour": 10, "minute": 55}
